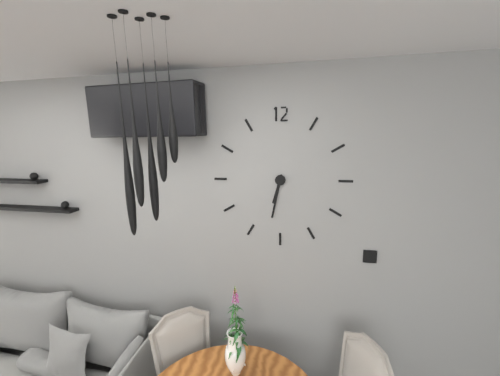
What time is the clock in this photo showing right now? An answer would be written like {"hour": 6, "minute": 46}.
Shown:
{"hour": 6, "minute": 32}
